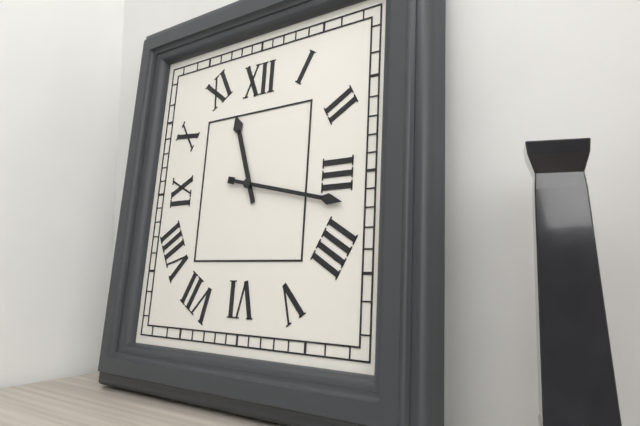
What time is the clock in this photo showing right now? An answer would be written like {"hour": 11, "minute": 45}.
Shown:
{"hour": 11, "minute": 17}
